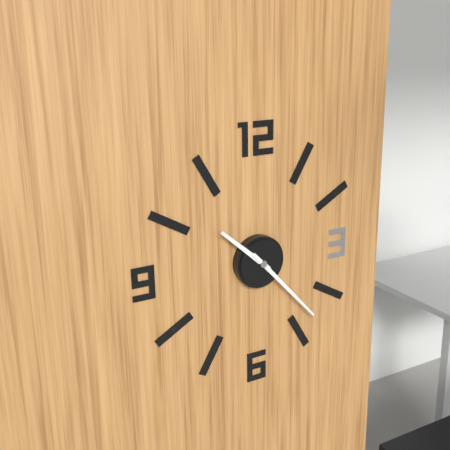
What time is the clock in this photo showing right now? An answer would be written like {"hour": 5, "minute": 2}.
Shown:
{"hour": 10, "minute": 23}
